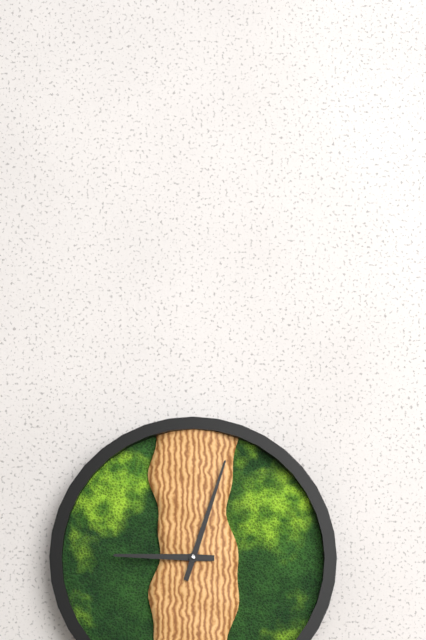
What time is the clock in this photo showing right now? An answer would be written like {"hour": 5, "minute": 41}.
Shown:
{"hour": 9, "minute": 3}
